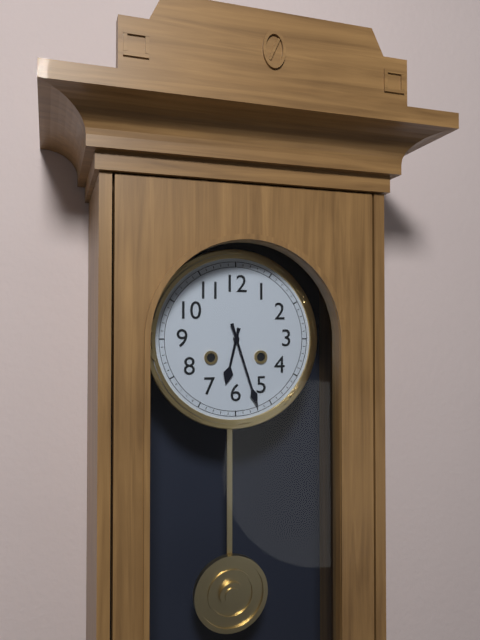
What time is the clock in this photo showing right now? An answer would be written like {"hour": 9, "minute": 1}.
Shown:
{"hour": 6, "minute": 27}
